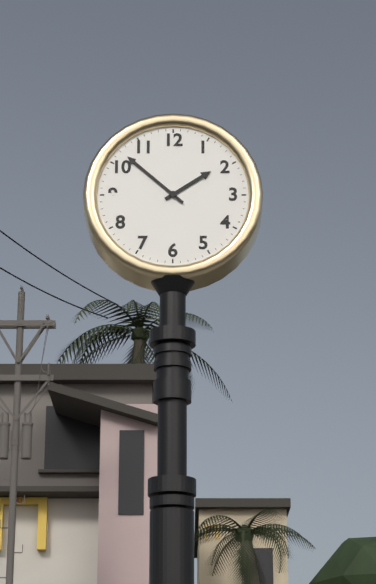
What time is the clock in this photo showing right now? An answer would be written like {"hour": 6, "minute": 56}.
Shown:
{"hour": 1, "minute": 52}
